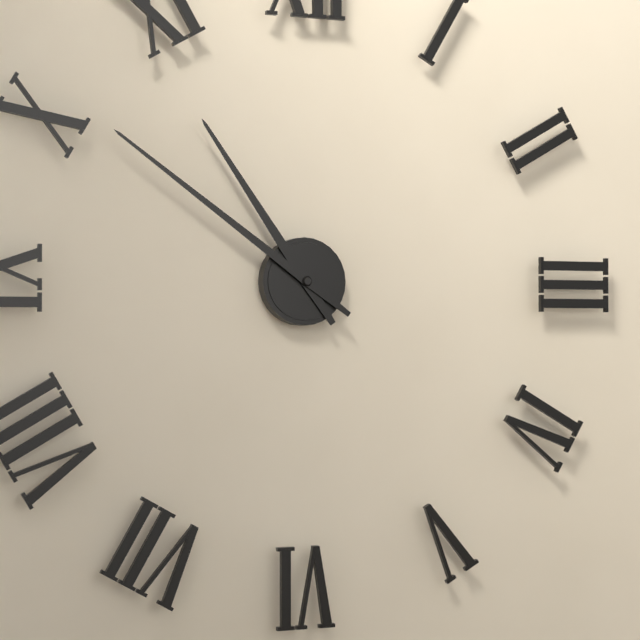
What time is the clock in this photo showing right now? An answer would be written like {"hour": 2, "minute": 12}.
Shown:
{"hour": 10, "minute": 51}
